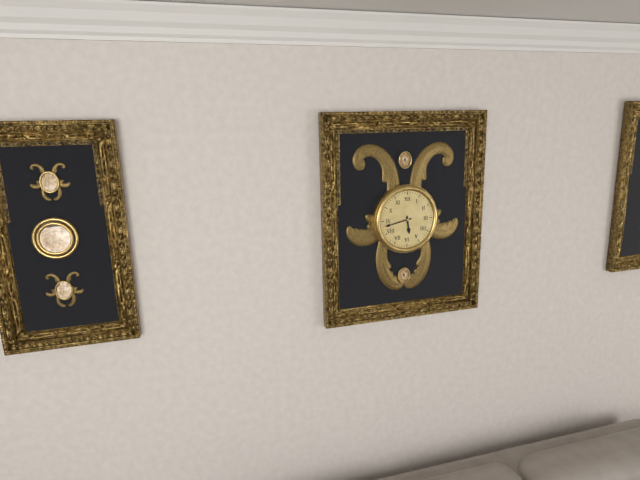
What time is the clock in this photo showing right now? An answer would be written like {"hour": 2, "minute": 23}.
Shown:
{"hour": 5, "minute": 43}
